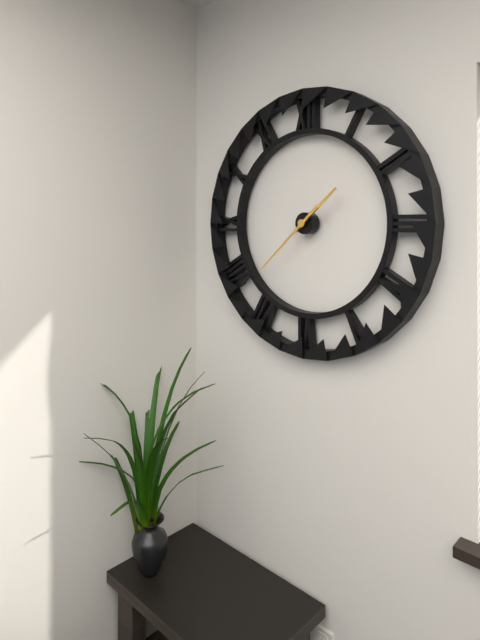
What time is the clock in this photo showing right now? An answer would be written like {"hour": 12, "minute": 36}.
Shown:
{"hour": 1, "minute": 38}
